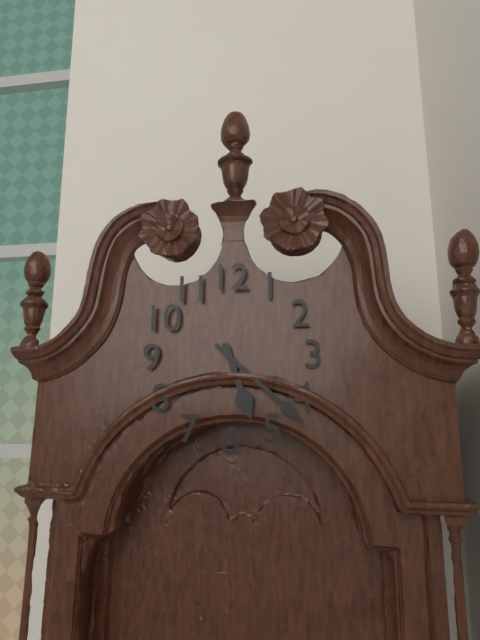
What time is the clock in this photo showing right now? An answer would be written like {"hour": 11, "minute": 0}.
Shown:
{"hour": 5, "minute": 22}
